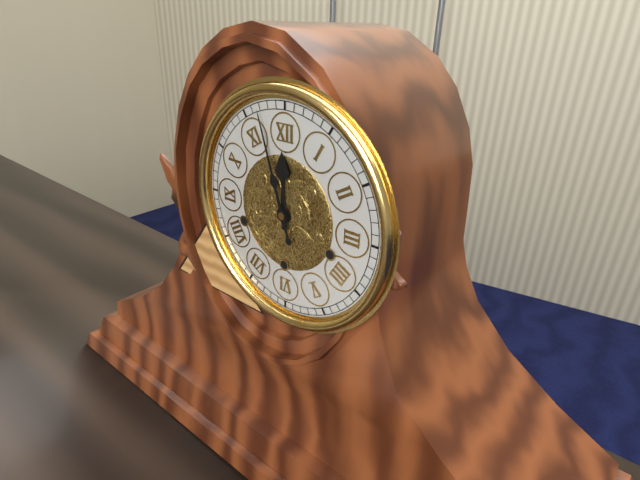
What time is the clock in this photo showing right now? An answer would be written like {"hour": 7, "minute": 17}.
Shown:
{"hour": 11, "minute": 57}
